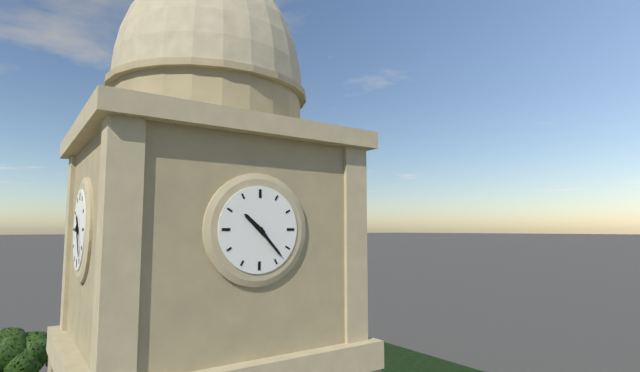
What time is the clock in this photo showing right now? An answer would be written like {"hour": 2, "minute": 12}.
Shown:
{"hour": 10, "minute": 23}
